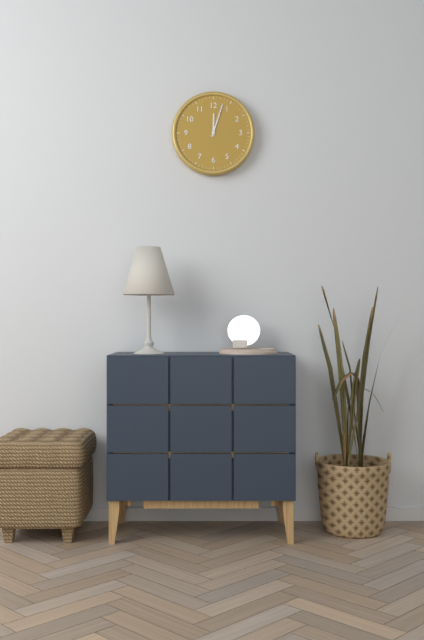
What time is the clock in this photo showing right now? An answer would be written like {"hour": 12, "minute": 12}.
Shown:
{"hour": 12, "minute": 3}
